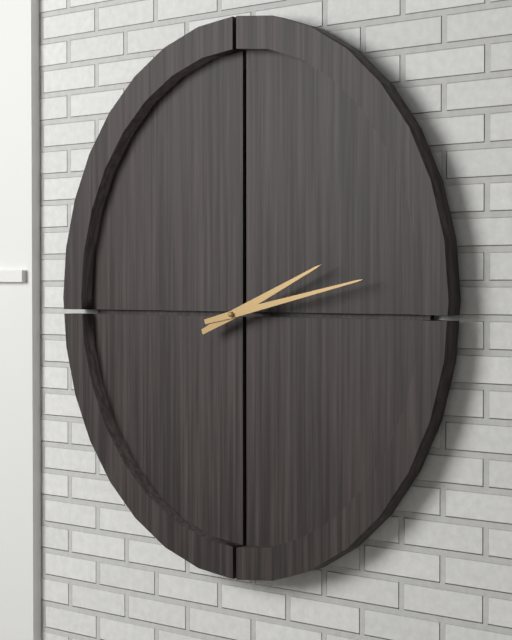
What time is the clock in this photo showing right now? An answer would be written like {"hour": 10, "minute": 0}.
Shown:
{"hour": 2, "minute": 13}
